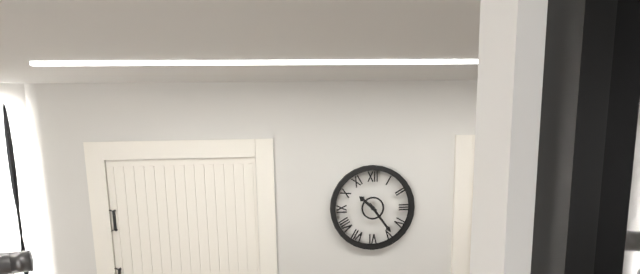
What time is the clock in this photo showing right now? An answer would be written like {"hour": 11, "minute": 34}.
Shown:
{"hour": 10, "minute": 24}
